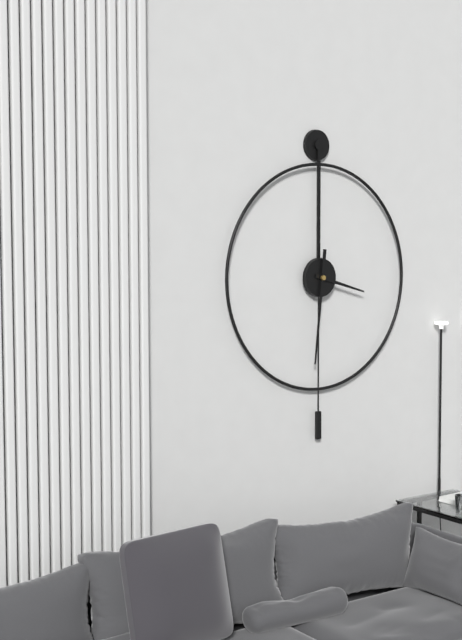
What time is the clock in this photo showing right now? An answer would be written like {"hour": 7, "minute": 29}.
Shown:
{"hour": 3, "minute": 31}
